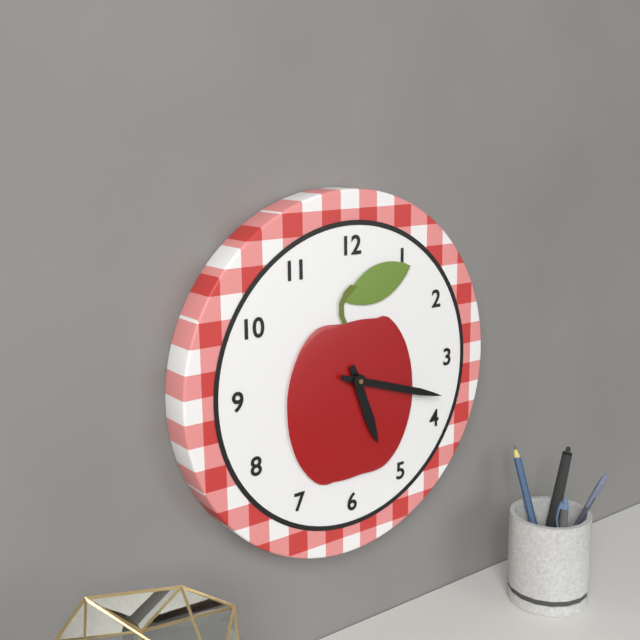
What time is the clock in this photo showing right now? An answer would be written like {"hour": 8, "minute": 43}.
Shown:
{"hour": 5, "minute": 18}
